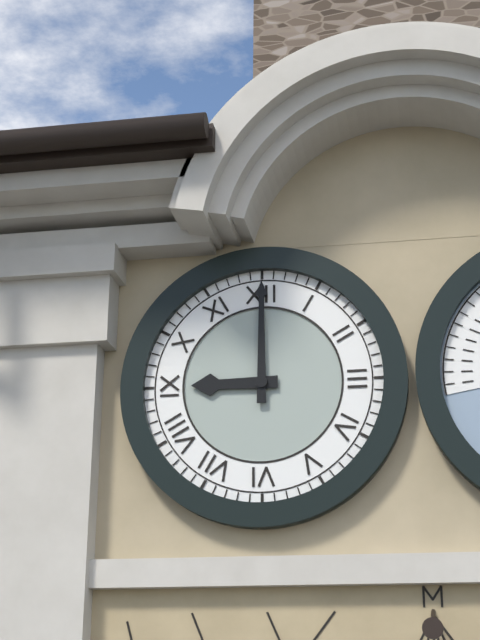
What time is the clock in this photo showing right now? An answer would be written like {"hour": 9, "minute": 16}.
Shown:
{"hour": 9, "minute": 0}
